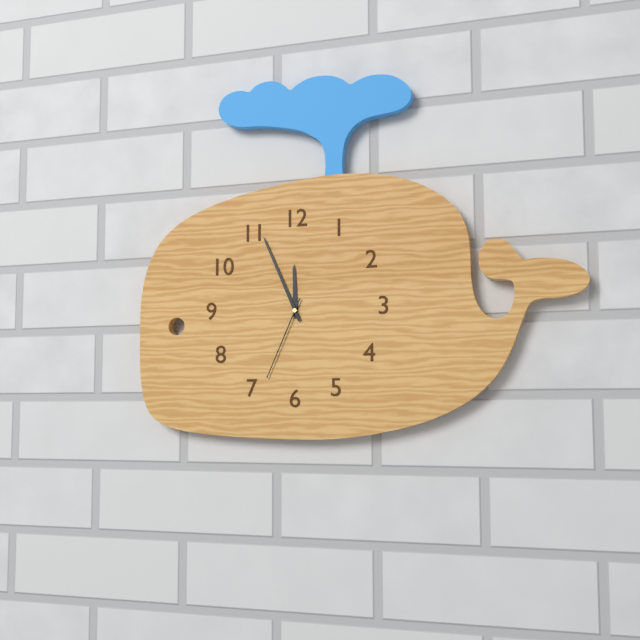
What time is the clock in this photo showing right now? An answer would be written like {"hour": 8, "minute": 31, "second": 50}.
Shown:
{"hour": 11, "minute": 56, "second": 34}
